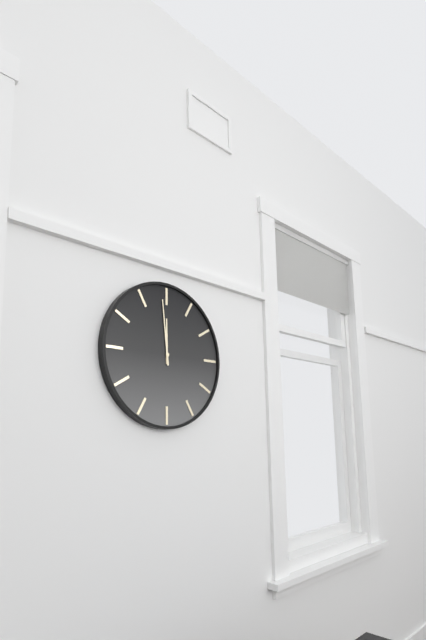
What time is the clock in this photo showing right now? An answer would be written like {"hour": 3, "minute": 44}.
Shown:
{"hour": 11, "minute": 59}
